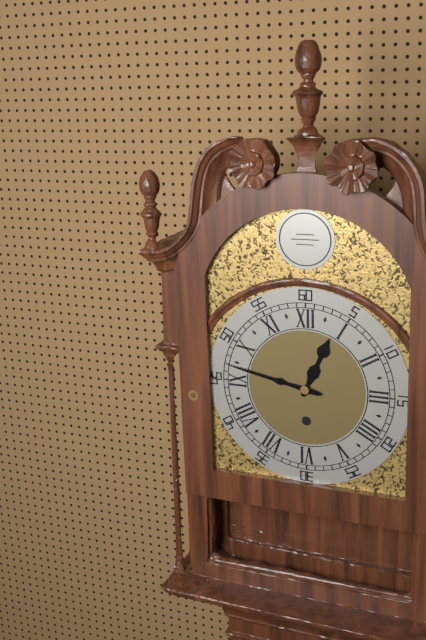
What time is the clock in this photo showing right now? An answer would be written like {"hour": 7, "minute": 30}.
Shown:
{"hour": 12, "minute": 47}
